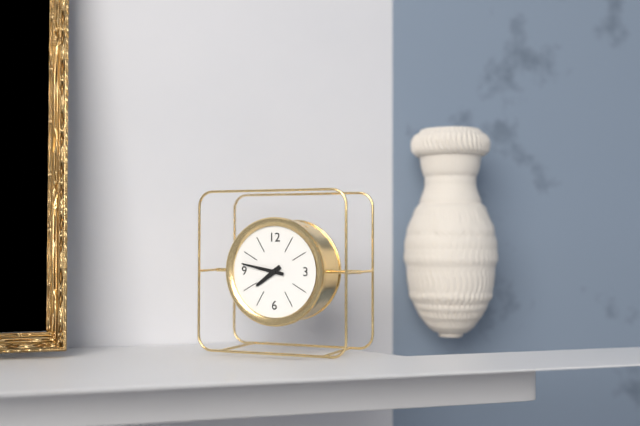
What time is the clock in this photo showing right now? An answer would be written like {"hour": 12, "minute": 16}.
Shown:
{"hour": 7, "minute": 47}
